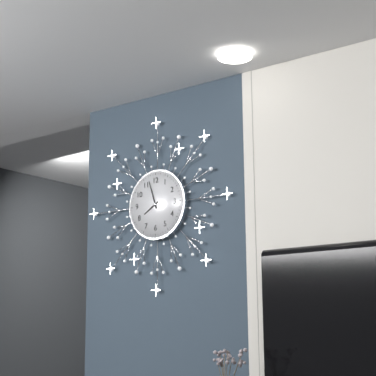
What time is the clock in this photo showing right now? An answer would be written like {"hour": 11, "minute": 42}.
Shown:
{"hour": 7, "minute": 57}
